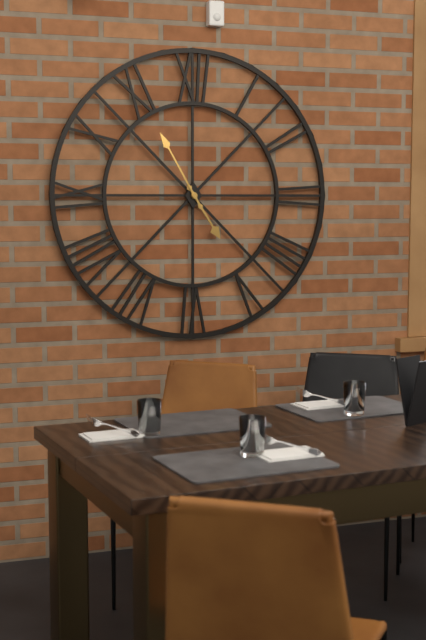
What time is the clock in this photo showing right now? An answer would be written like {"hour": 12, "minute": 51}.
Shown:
{"hour": 4, "minute": 55}
